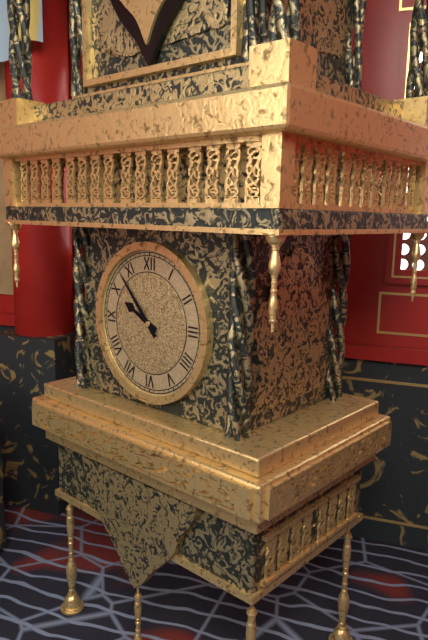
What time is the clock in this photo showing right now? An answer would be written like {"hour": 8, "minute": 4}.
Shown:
{"hour": 9, "minute": 53}
